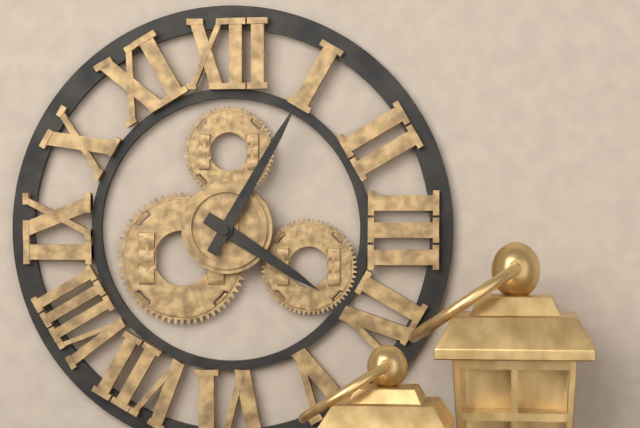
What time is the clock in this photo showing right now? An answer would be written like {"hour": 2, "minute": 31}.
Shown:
{"hour": 4, "minute": 5}
